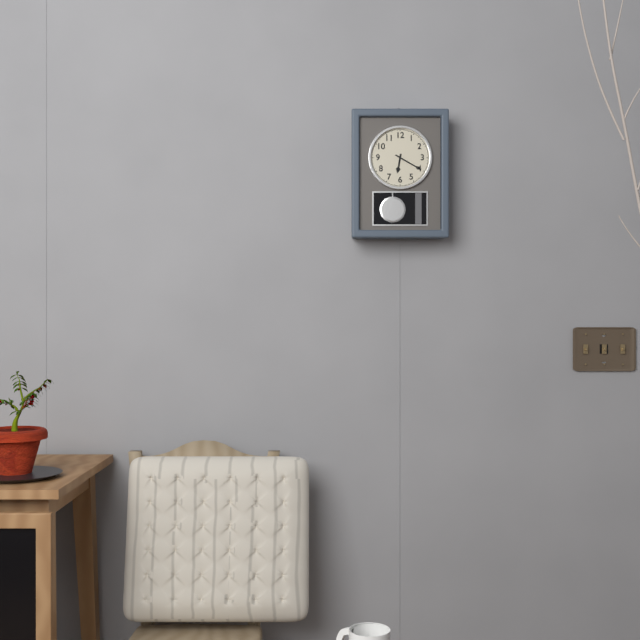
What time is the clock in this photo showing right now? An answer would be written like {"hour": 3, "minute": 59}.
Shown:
{"hour": 6, "minute": 20}
